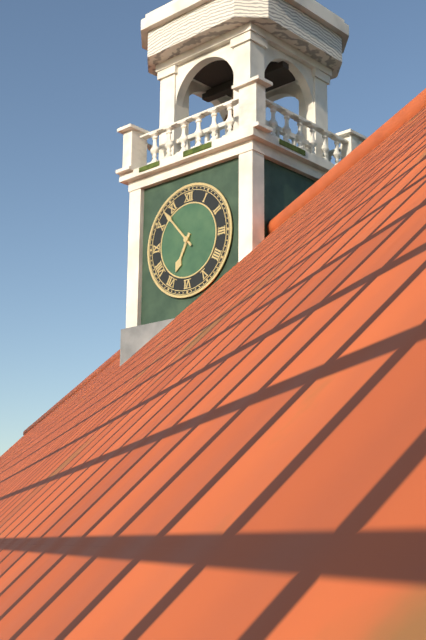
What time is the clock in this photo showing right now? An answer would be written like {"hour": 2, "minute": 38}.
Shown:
{"hour": 6, "minute": 53}
